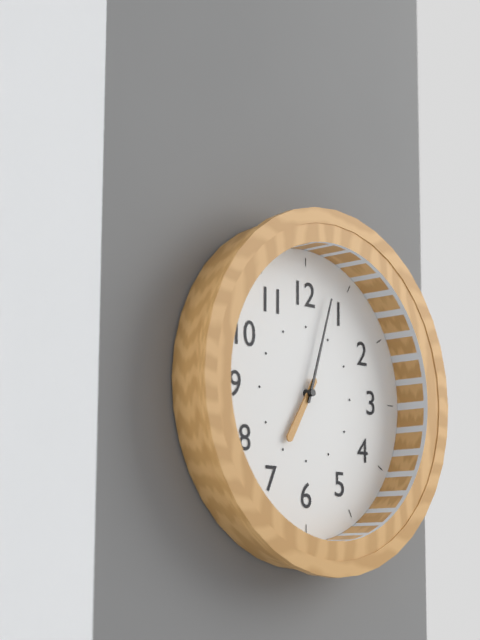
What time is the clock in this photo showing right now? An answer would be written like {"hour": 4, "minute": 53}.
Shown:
{"hour": 7, "minute": 3}
